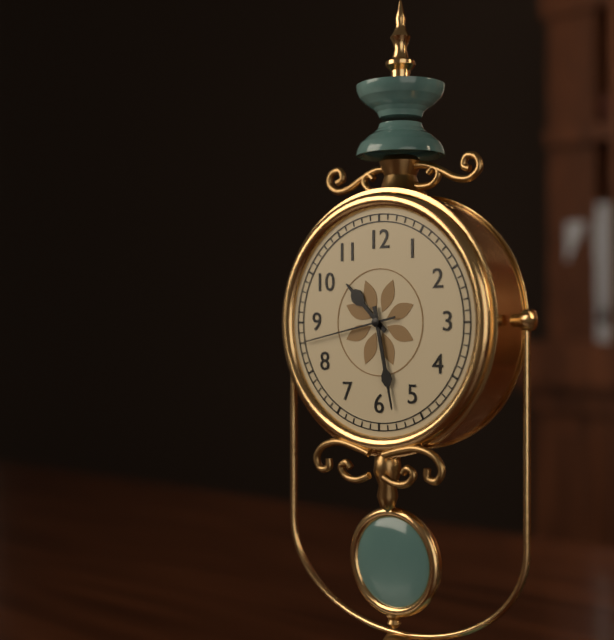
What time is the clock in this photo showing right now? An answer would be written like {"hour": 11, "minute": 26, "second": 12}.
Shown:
{"hour": 10, "minute": 28, "second": 43}
